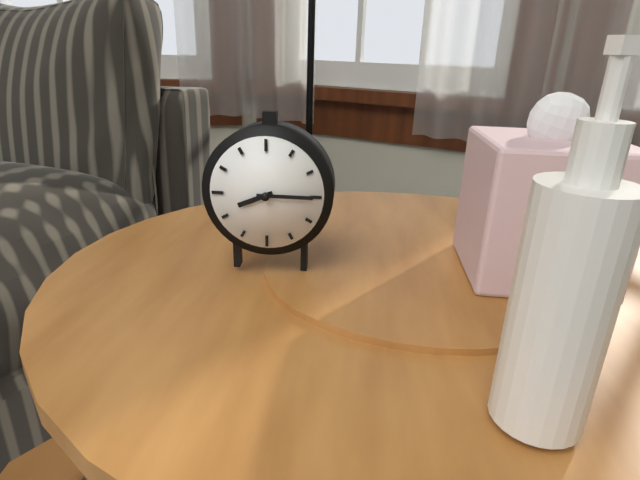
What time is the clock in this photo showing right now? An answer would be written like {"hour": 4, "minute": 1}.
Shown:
{"hour": 8, "minute": 15}
